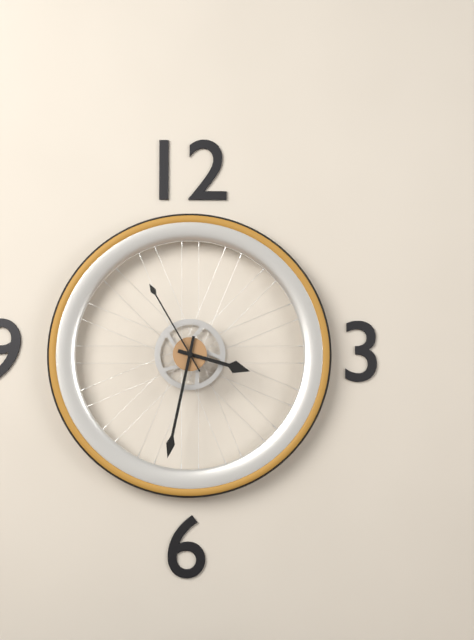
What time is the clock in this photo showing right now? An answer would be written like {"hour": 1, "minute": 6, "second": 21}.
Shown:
{"hour": 3, "minute": 32, "second": 55}
